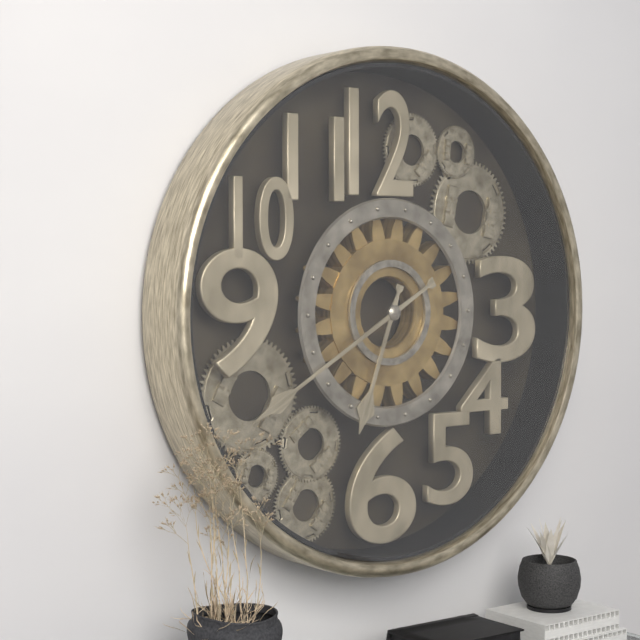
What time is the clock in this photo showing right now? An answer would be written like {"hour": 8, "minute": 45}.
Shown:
{"hour": 6, "minute": 40}
